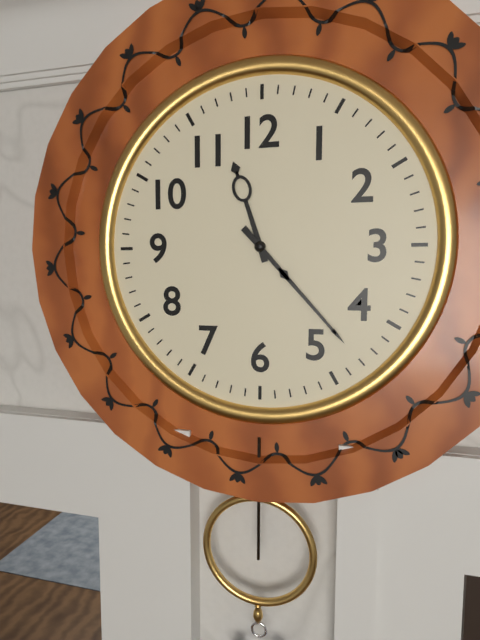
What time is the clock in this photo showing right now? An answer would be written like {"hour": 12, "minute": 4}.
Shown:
{"hour": 11, "minute": 23}
